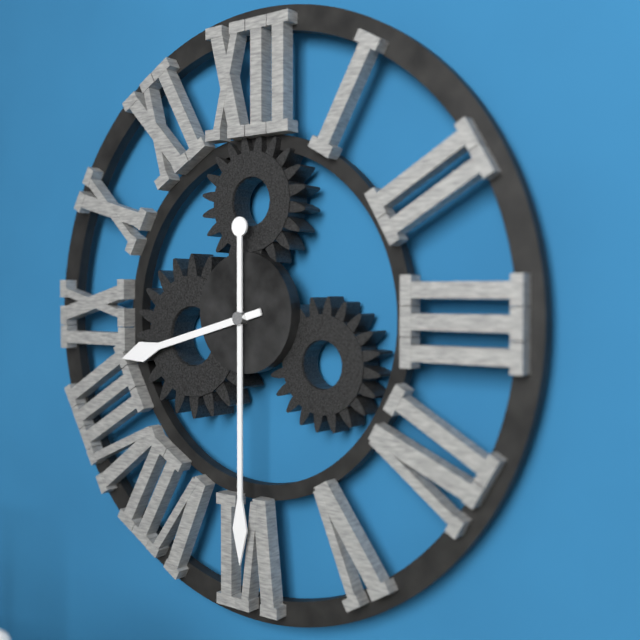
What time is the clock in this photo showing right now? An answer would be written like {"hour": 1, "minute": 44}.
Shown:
{"hour": 8, "minute": 30}
